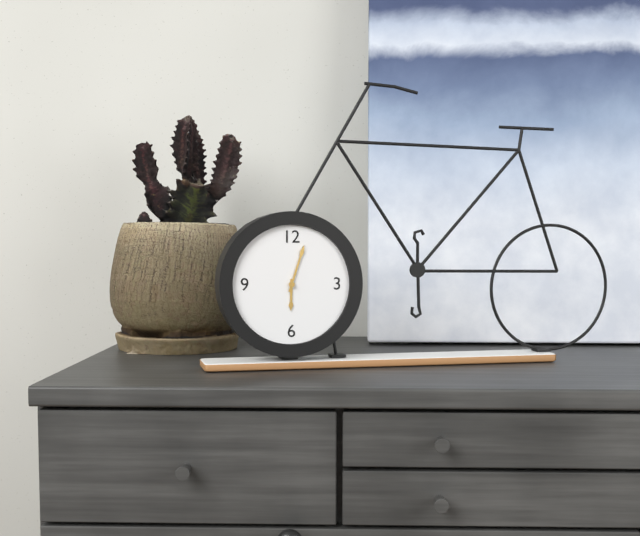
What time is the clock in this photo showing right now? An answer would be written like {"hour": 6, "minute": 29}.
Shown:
{"hour": 6, "minute": 3}
